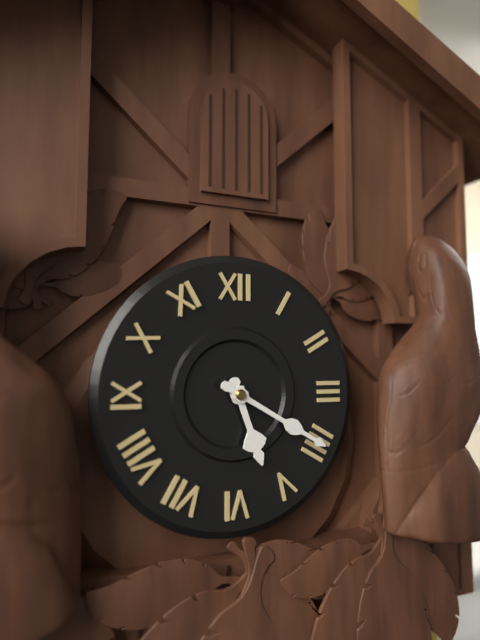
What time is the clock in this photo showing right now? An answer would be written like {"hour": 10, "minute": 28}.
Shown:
{"hour": 5, "minute": 20}
